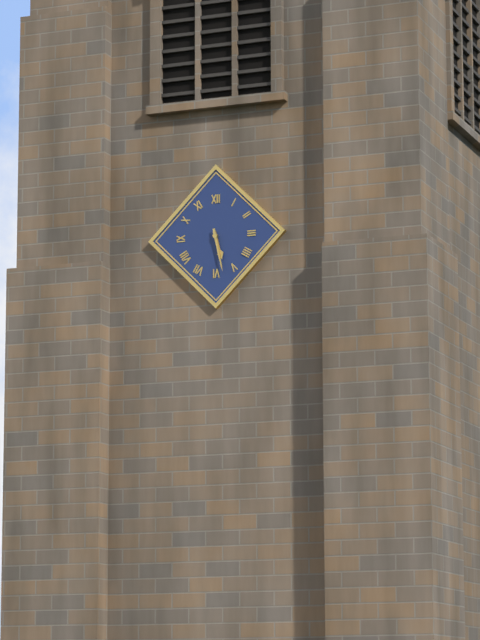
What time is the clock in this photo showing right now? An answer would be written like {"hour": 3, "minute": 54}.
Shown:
{"hour": 5, "minute": 28}
